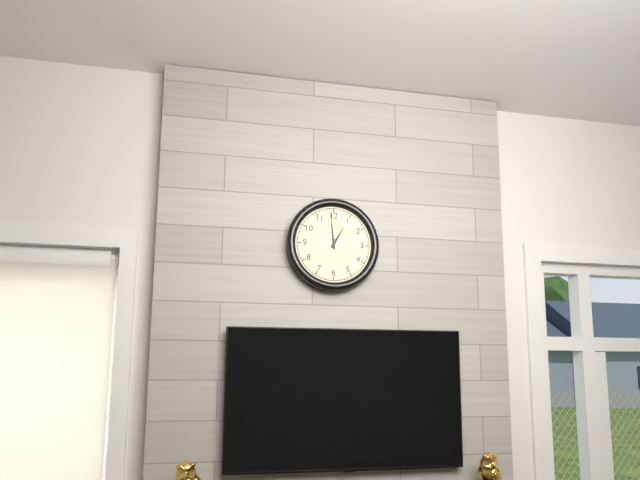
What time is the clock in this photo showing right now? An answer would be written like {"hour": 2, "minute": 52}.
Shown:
{"hour": 12, "minute": 59}
